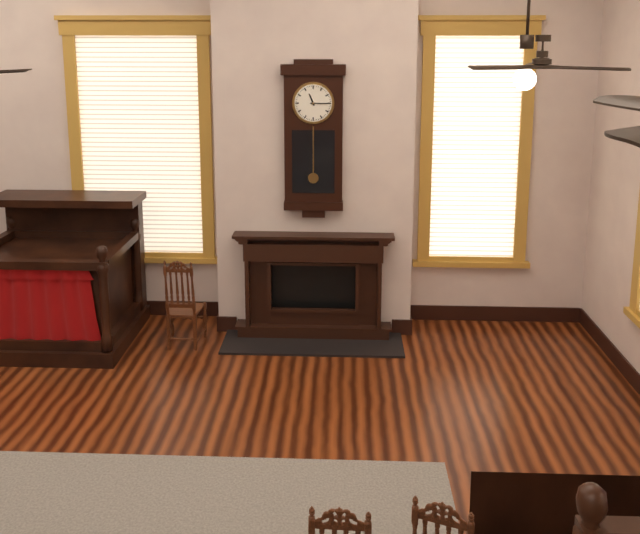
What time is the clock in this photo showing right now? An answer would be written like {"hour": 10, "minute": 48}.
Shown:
{"hour": 11, "minute": 15}
